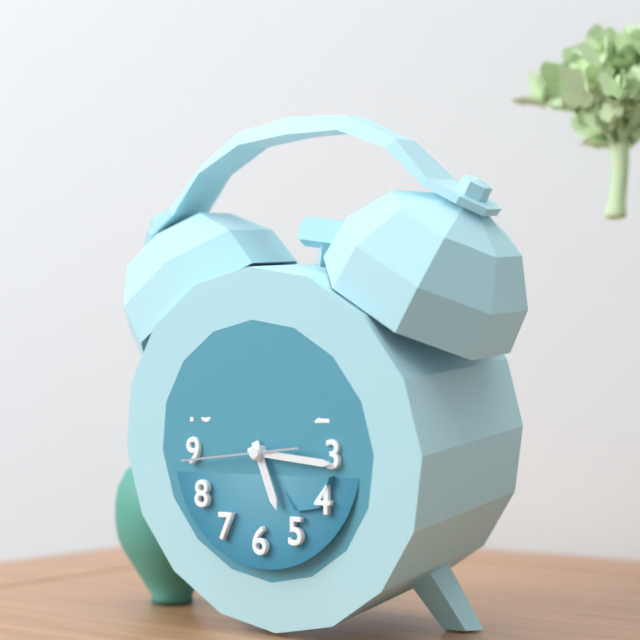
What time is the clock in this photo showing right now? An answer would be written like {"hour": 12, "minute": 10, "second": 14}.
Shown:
{"hour": 5, "minute": 16, "second": 44}
